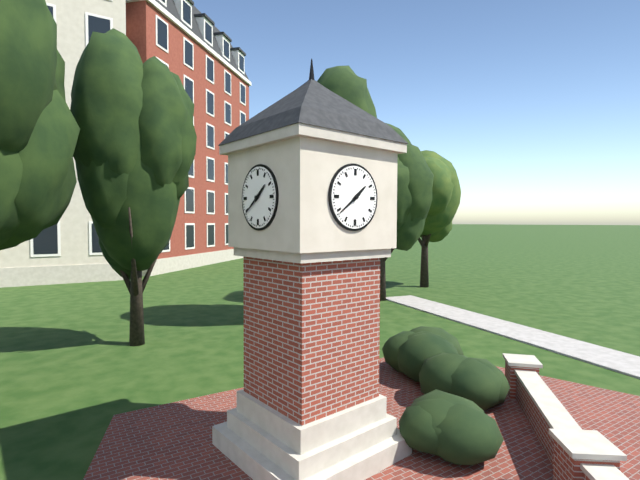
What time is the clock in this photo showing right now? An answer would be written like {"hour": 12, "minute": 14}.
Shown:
{"hour": 1, "minute": 39}
